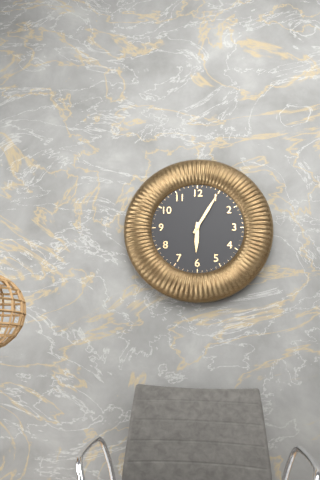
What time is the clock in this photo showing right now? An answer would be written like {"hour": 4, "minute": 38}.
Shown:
{"hour": 6, "minute": 5}
